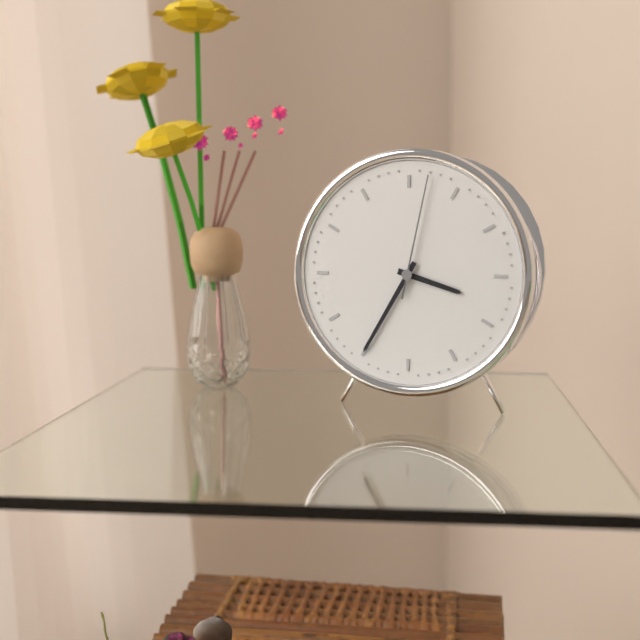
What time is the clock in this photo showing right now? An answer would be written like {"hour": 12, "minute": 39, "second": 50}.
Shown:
{"hour": 3, "minute": 35, "second": 2}
